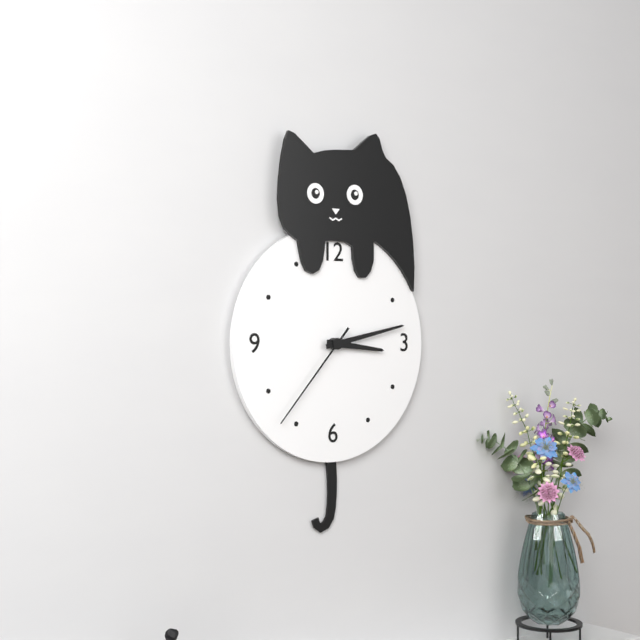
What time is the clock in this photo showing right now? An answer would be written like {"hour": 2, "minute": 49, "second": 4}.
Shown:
{"hour": 3, "minute": 13, "second": 37}
